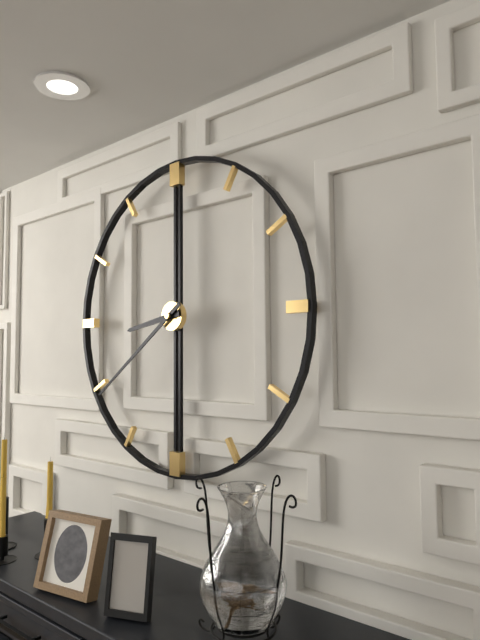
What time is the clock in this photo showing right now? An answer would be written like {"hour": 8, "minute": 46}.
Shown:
{"hour": 8, "minute": 39}
